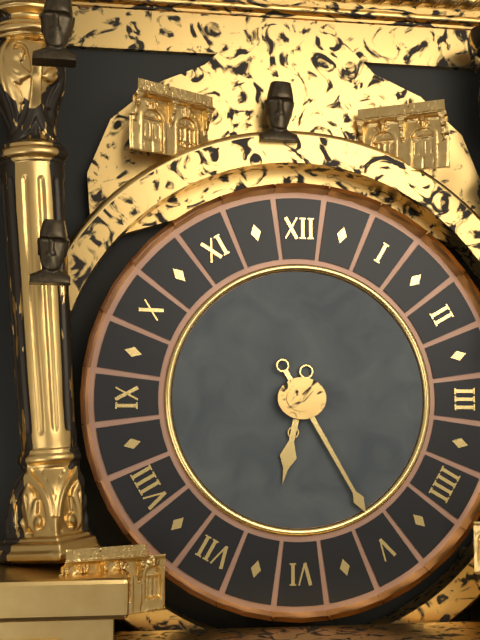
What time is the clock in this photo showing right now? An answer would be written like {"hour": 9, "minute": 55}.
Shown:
{"hour": 6, "minute": 25}
